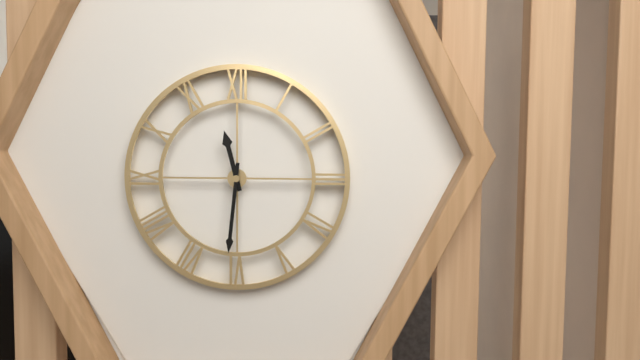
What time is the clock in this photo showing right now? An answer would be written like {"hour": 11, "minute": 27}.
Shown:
{"hour": 11, "minute": 31}
